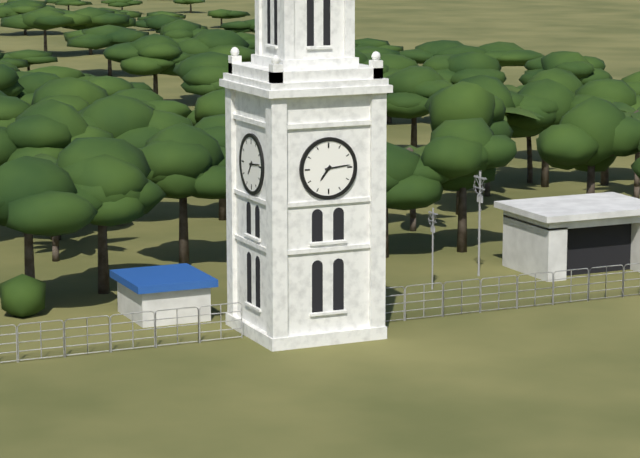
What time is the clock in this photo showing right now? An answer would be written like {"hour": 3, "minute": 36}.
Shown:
{"hour": 7, "minute": 14}
